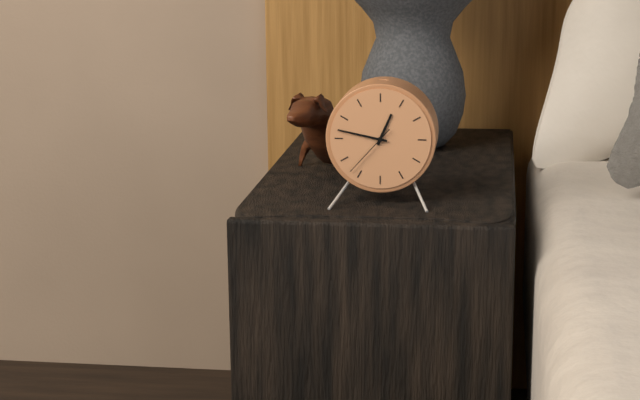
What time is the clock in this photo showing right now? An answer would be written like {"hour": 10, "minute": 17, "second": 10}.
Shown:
{"hour": 12, "minute": 47, "second": 37}
